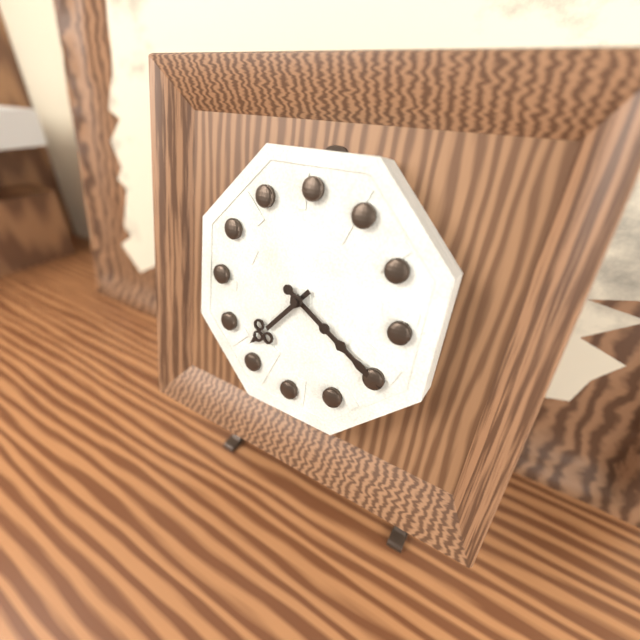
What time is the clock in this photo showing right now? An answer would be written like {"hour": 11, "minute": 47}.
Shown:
{"hour": 7, "minute": 20}
